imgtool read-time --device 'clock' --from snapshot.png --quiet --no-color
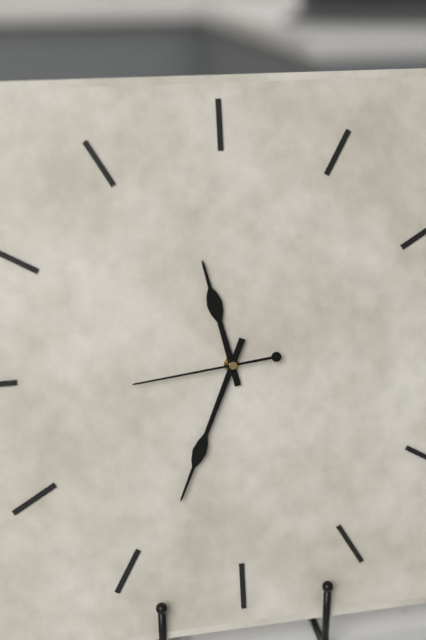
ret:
11:34:44
